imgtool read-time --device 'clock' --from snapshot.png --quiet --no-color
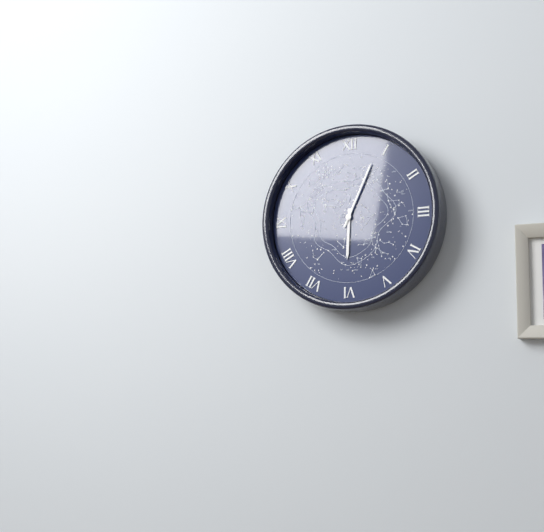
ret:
6:04
